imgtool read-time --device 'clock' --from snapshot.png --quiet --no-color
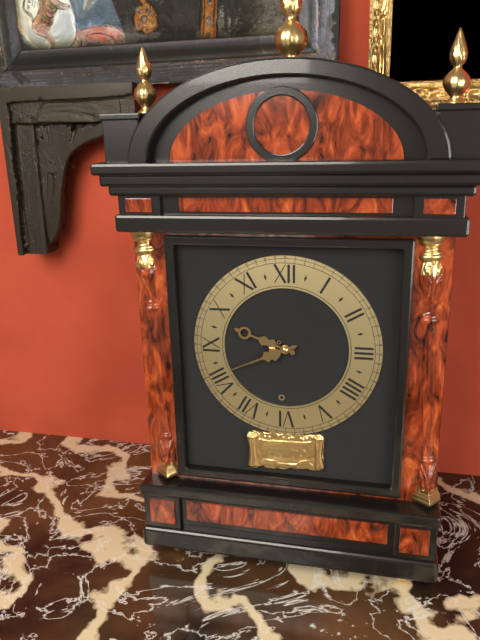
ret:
9:41
